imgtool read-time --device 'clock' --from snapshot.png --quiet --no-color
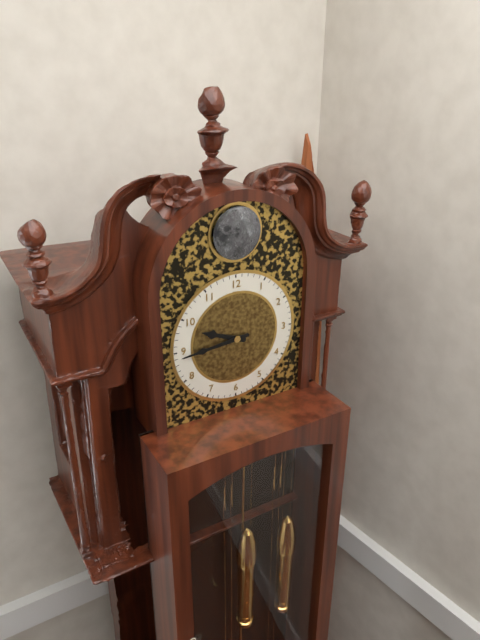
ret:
9:44
